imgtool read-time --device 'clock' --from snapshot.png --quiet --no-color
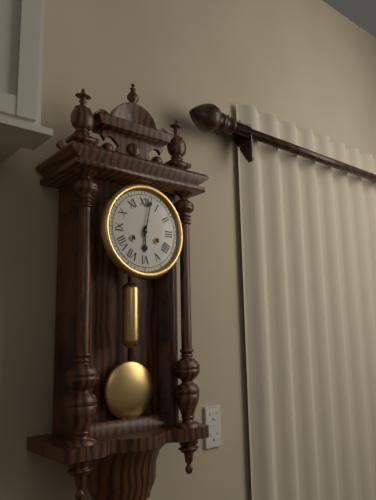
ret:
6:02
